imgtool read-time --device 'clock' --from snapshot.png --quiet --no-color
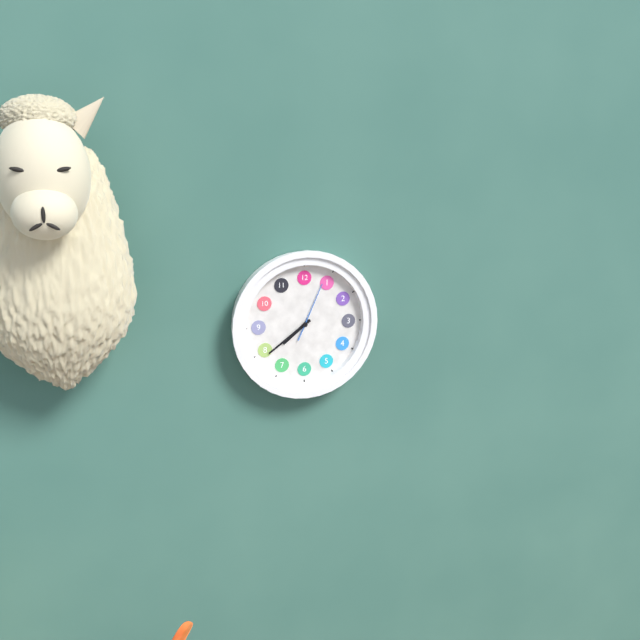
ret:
7:39:04
